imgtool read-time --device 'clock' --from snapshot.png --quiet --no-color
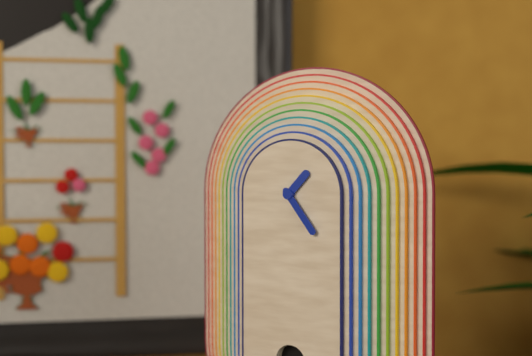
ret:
1:24
